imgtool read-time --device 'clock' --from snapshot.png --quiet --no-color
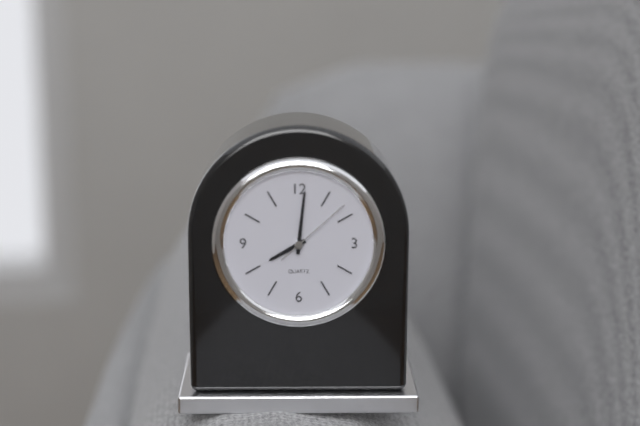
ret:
8:01:08
